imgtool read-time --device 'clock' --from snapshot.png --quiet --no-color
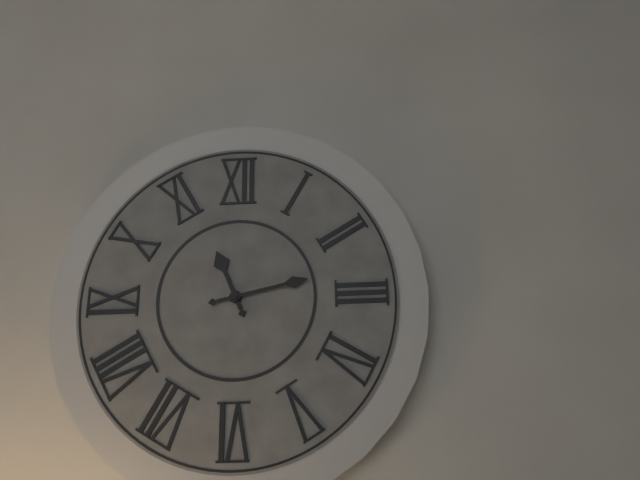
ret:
11:13
